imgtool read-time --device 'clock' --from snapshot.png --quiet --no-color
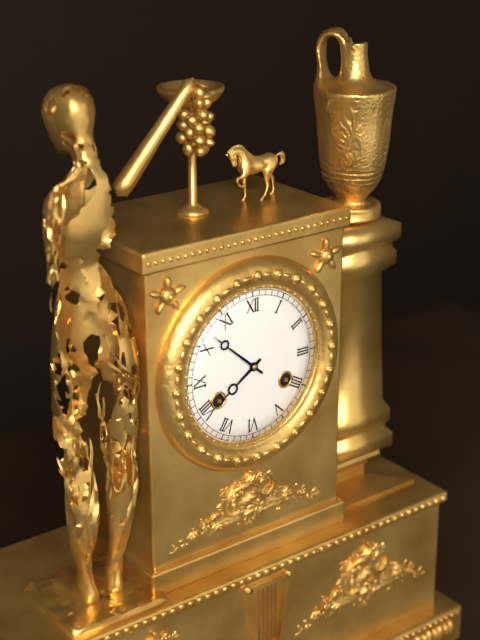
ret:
7:52
